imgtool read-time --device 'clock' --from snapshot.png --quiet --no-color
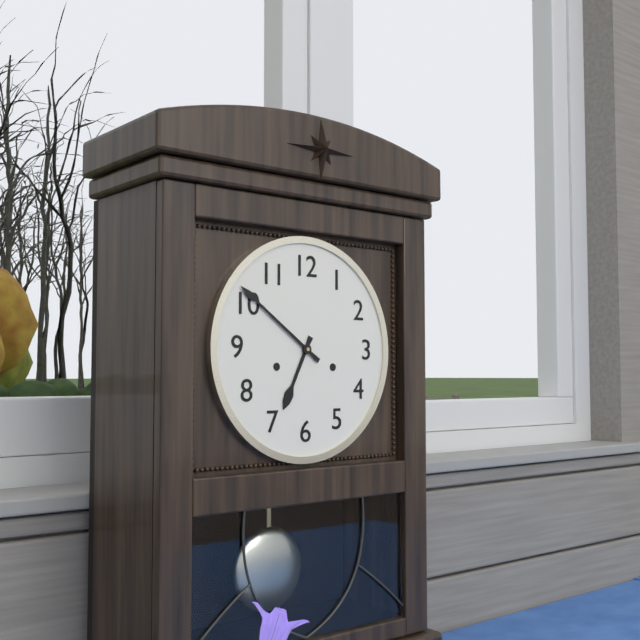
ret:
6:51
